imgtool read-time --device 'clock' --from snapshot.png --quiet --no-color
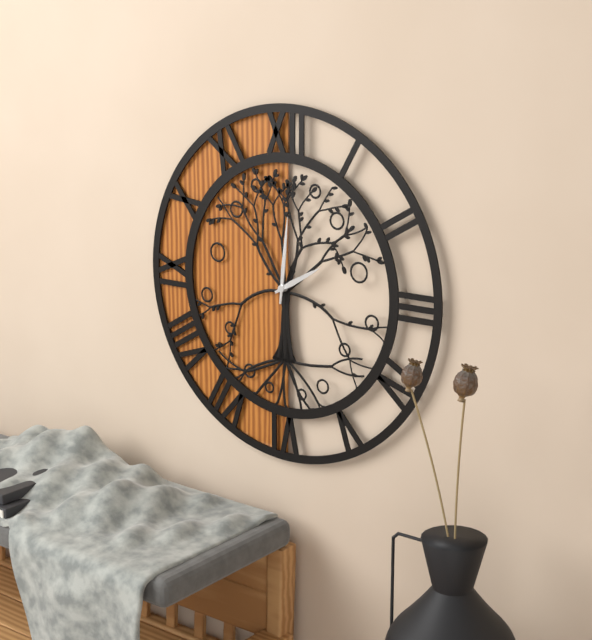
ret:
2:01
